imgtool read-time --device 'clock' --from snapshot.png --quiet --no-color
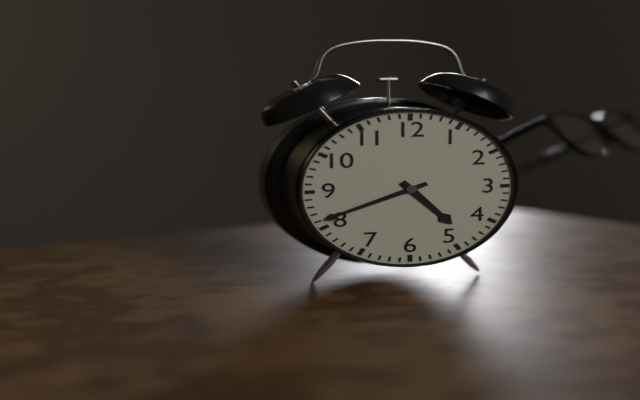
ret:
4:41
